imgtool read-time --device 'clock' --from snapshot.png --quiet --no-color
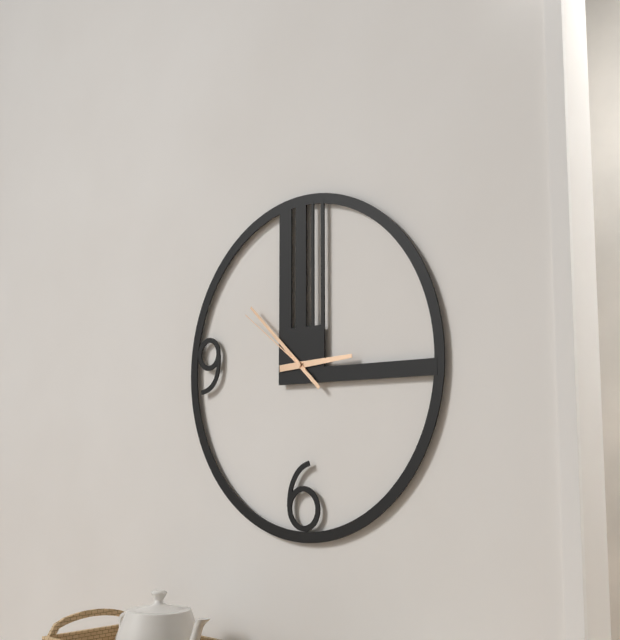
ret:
2:52:51
